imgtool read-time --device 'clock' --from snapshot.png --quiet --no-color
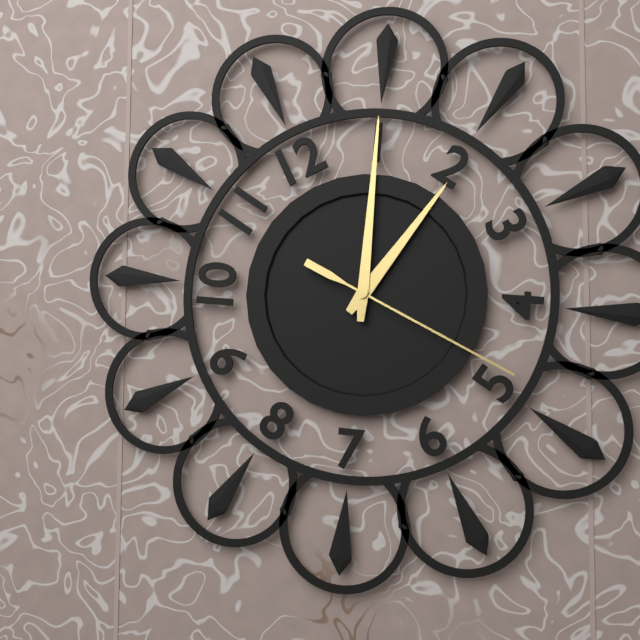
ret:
2:05:24
